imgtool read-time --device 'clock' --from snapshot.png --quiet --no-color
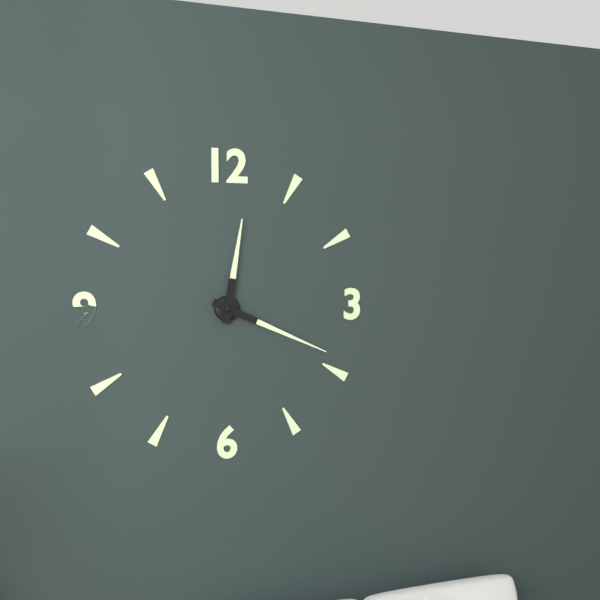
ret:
12:19
